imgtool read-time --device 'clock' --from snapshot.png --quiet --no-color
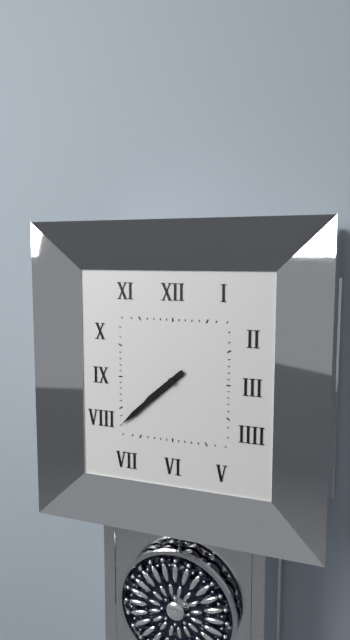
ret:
7:38
